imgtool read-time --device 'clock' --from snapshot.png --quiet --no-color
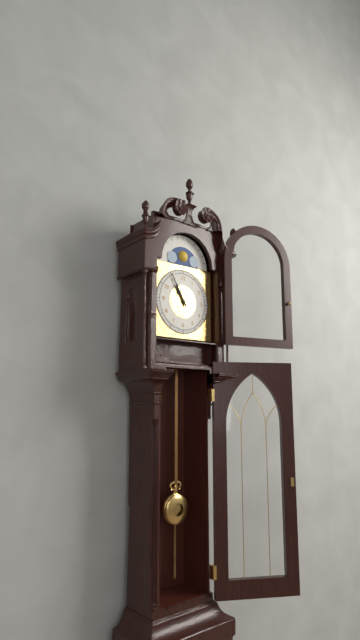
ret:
10:55
